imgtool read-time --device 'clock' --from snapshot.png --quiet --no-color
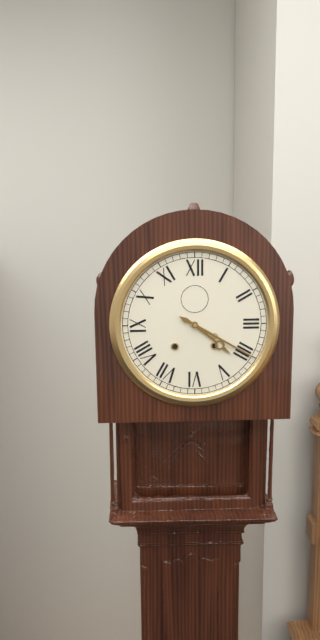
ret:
4:20
